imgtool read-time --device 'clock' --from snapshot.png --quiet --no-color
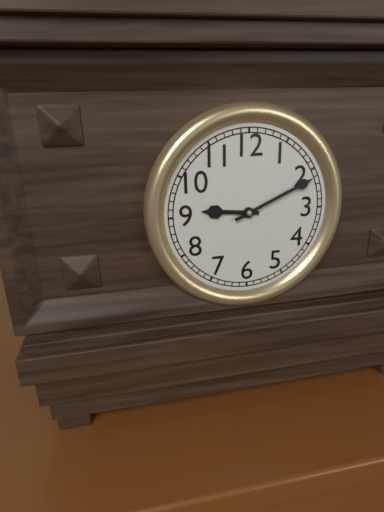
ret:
9:11
